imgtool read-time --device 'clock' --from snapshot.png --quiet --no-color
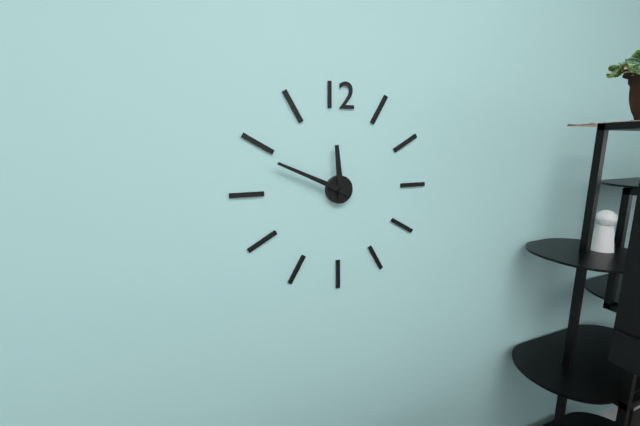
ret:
11:49
